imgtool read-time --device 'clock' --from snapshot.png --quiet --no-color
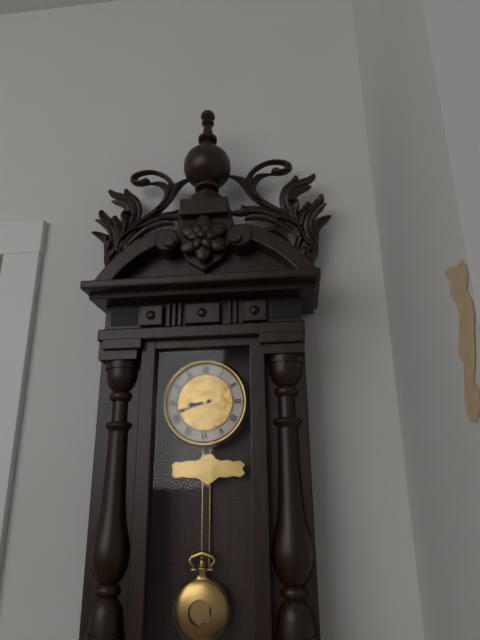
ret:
8:42
